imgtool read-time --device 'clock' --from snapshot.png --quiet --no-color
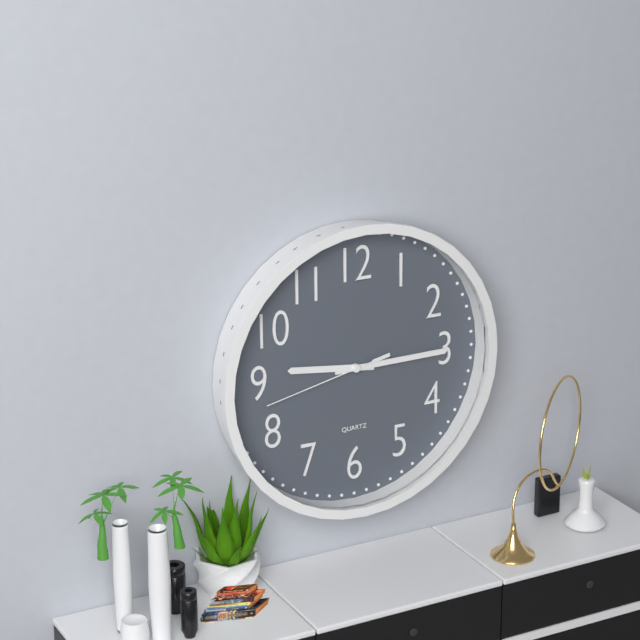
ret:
9:15:43
